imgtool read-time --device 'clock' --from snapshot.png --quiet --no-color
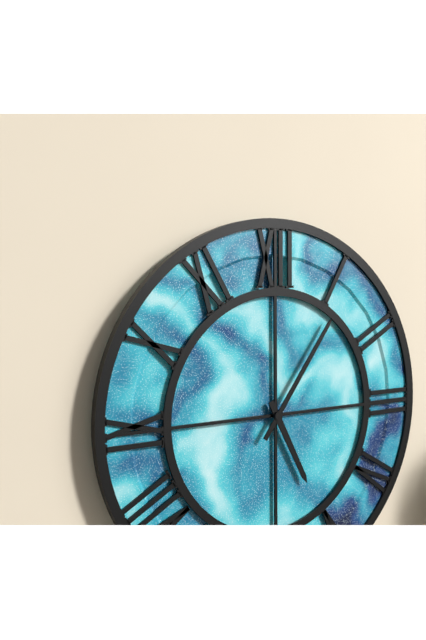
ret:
5:06
